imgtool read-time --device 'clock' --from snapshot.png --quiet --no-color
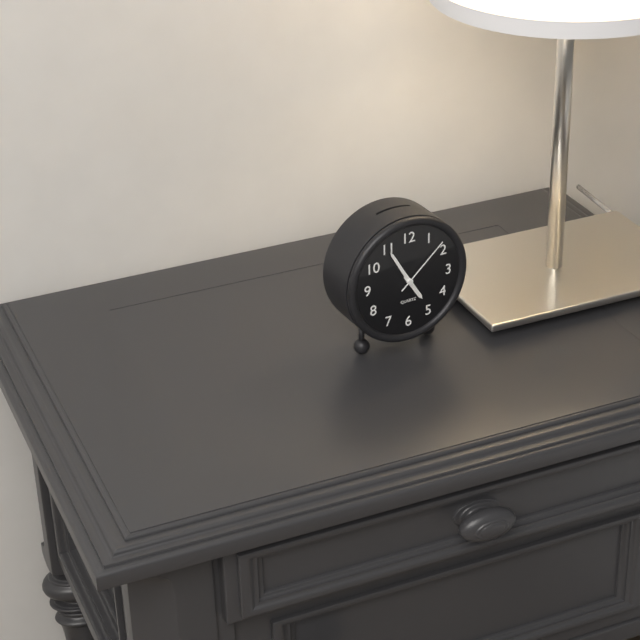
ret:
4:55:08
